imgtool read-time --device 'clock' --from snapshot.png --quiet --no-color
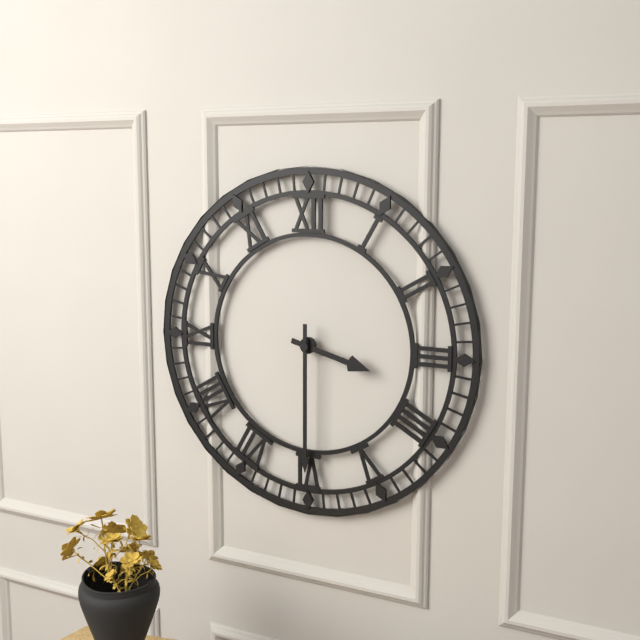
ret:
3:30
